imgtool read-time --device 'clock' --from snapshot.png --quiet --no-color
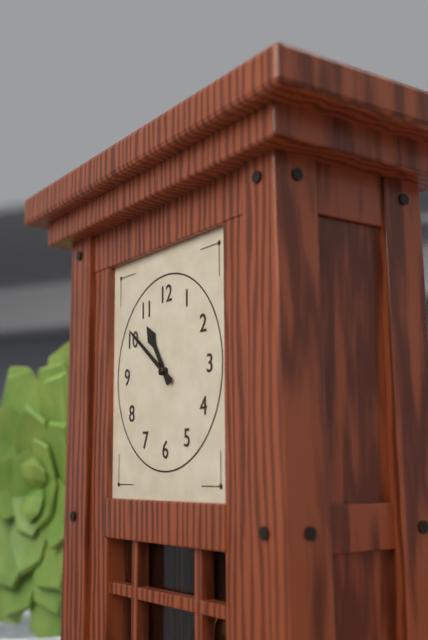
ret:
10:51
